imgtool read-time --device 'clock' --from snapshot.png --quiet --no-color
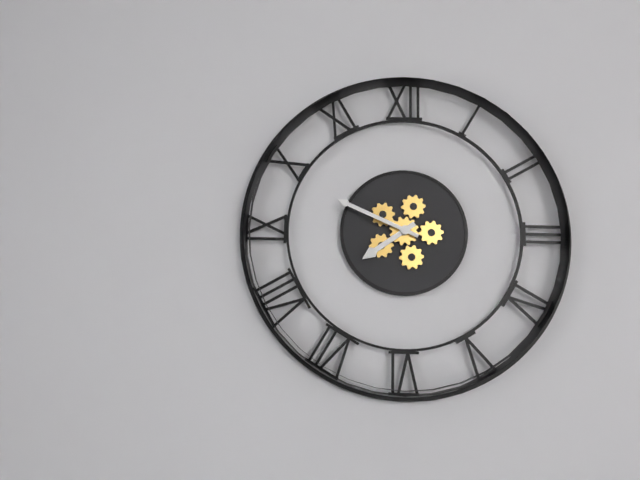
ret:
7:49
